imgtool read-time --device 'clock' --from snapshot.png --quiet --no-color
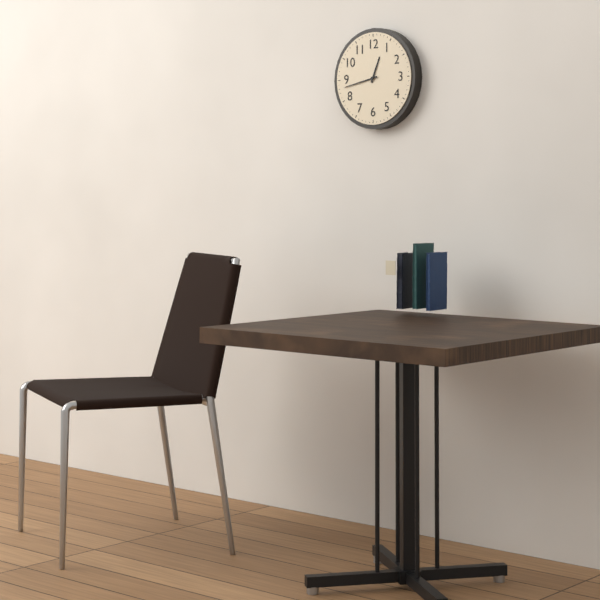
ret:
12:43
